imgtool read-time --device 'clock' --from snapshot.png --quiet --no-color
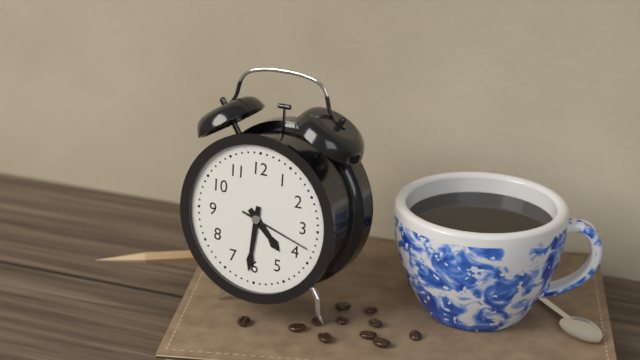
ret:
4:31:18
